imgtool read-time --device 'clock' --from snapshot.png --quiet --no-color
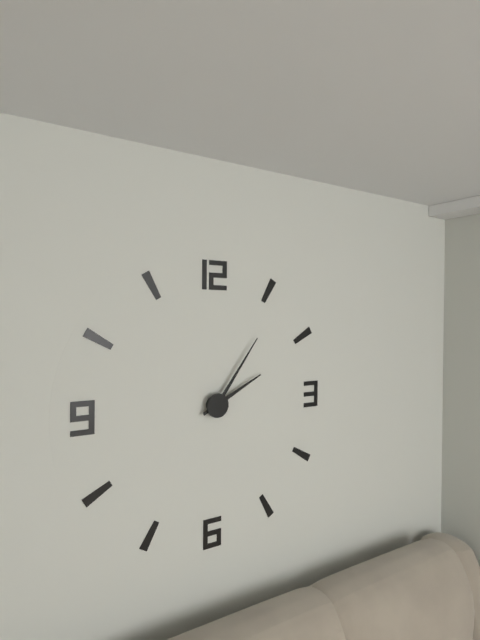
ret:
2:06
